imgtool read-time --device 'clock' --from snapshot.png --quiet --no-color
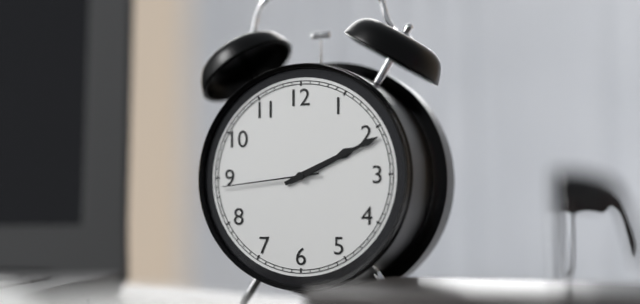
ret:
2:11:44
